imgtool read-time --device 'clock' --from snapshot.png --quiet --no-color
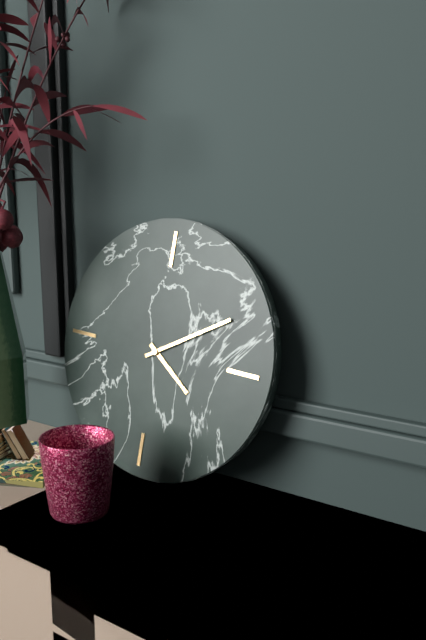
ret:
4:10
